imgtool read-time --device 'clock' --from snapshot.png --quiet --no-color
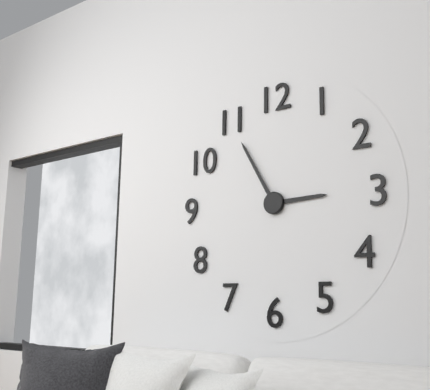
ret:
2:55
